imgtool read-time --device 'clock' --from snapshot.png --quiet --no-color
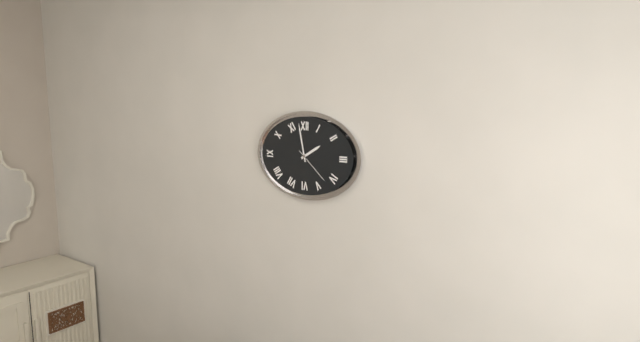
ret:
1:58
